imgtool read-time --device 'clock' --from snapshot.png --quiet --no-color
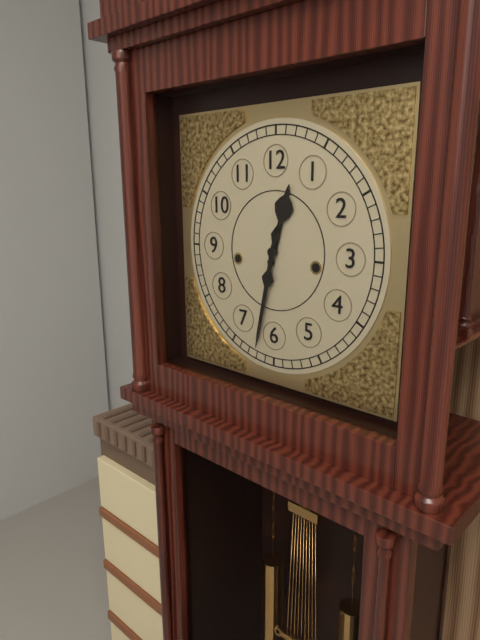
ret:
12:32
